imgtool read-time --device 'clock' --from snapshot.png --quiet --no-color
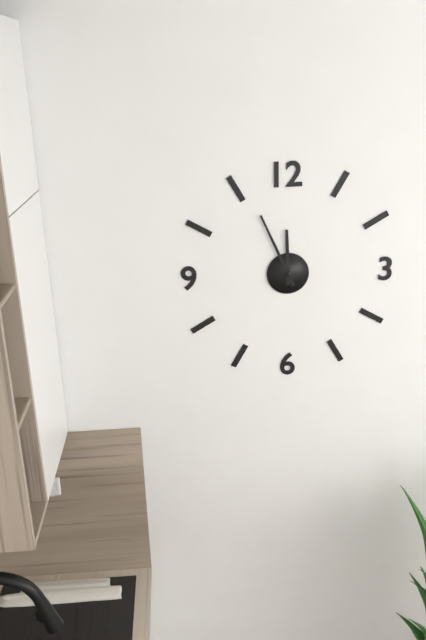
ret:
11:56
